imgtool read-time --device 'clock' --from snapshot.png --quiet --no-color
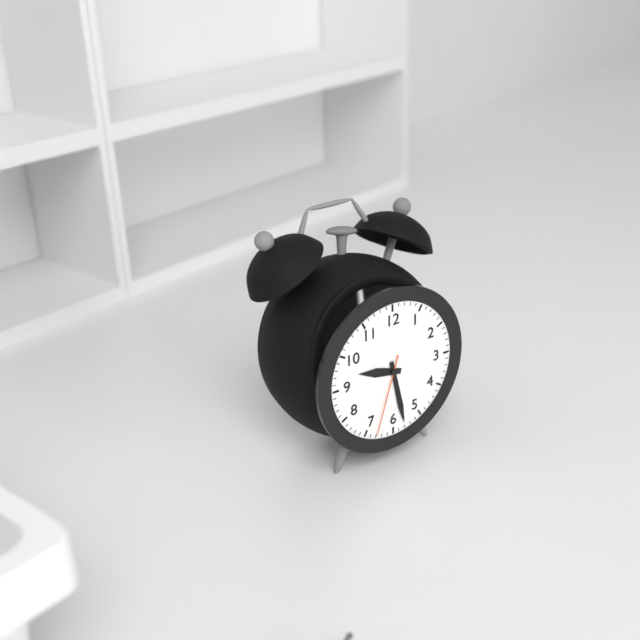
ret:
9:28:33
